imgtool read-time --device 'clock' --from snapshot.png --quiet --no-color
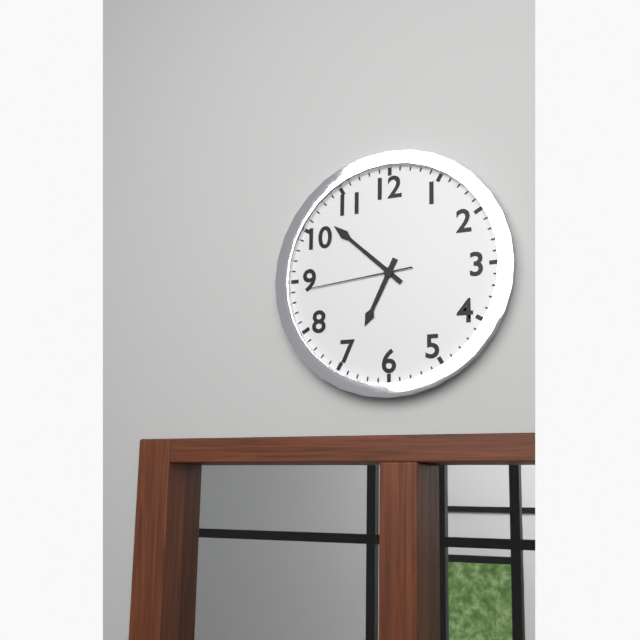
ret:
6:52:44
